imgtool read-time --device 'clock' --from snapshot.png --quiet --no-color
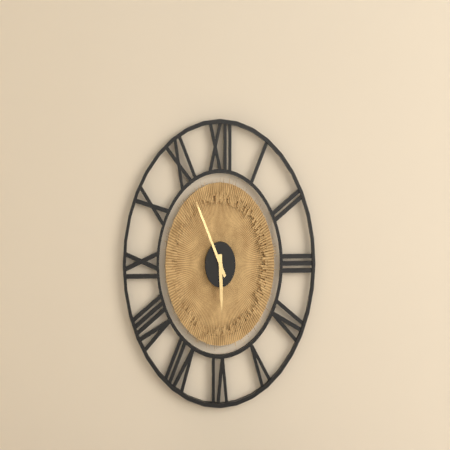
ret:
5:55
